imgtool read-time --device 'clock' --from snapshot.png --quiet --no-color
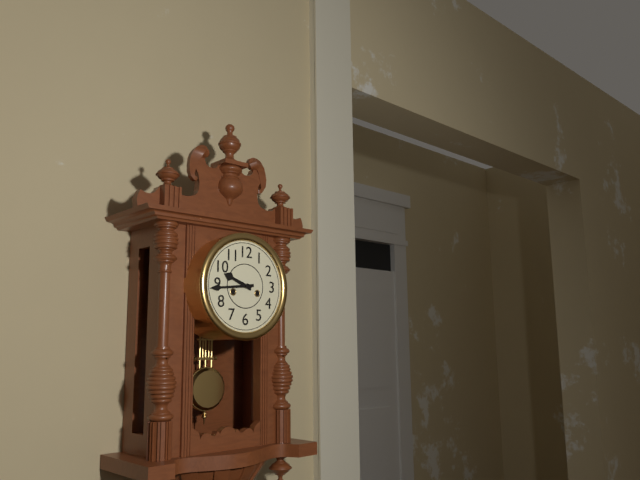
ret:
9:44
